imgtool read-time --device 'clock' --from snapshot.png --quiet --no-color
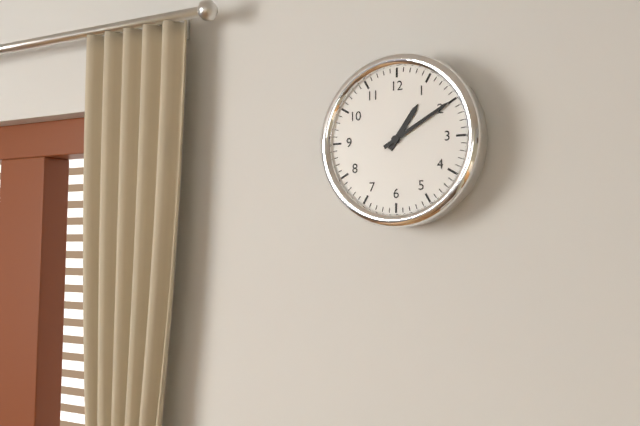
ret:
1:10
